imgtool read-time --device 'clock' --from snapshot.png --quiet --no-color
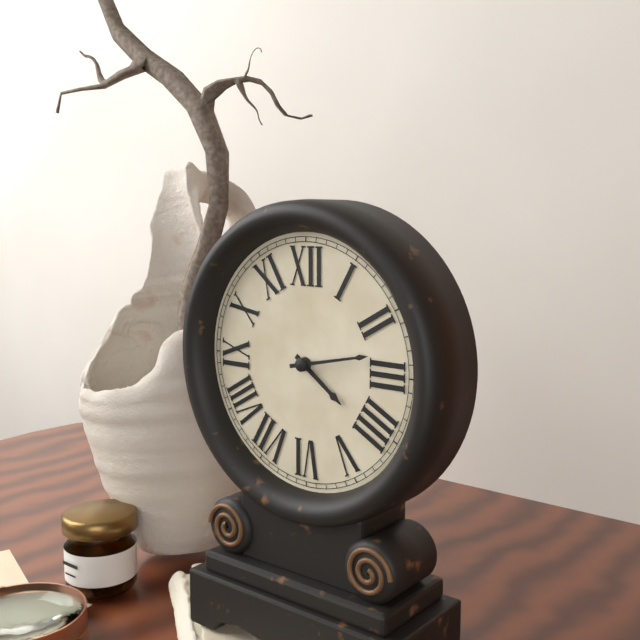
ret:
4:13
